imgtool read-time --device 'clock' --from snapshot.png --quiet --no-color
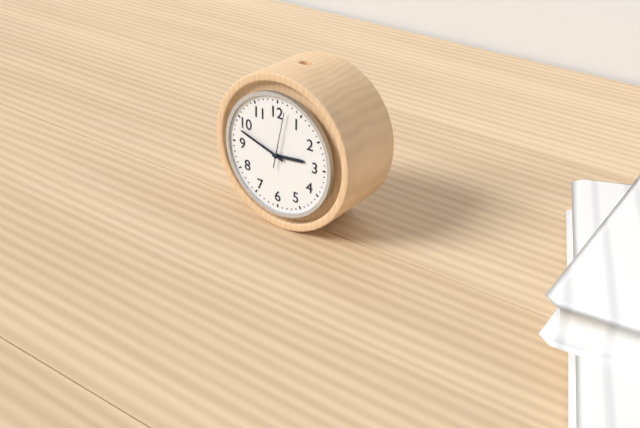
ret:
2:48:02
